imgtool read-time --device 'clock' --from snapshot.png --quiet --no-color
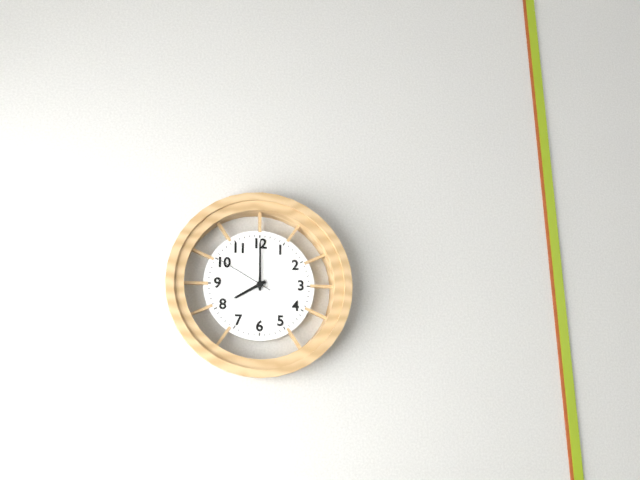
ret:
8:00:50
